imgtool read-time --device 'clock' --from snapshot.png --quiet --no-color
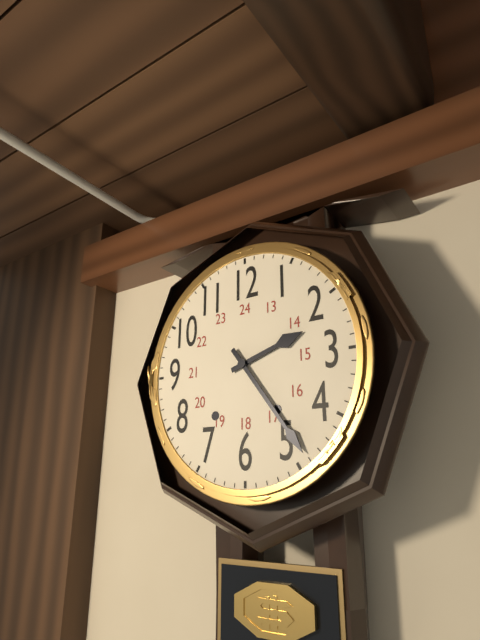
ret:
2:24
